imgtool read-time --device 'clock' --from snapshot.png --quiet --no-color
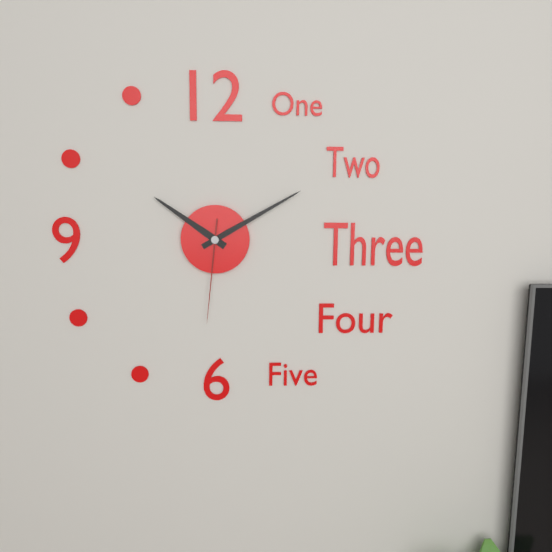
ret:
10:10:31
